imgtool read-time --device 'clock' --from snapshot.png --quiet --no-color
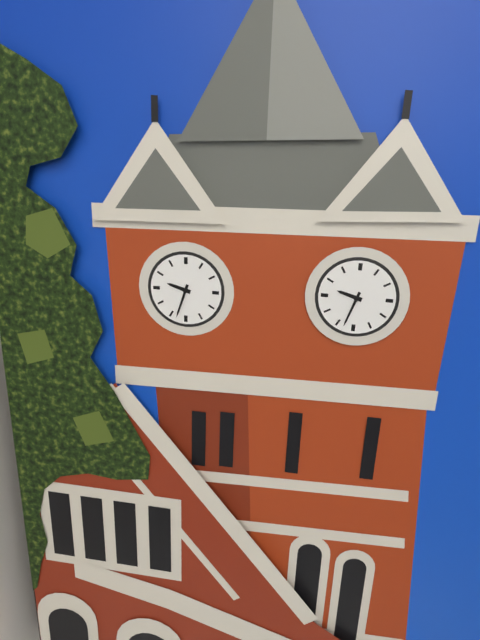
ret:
9:33
